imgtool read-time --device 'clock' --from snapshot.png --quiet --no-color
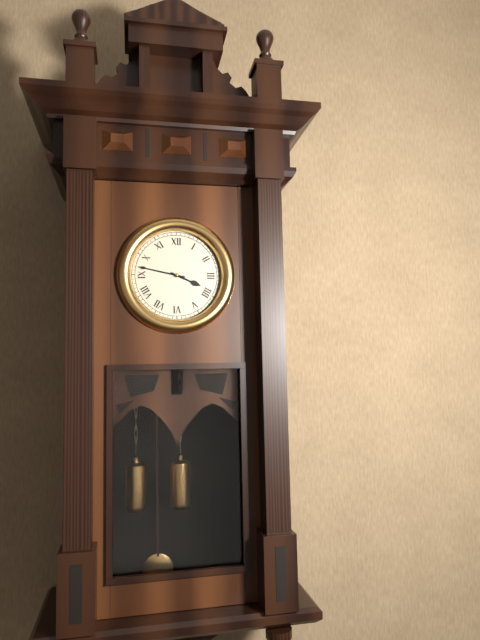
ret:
3:47
